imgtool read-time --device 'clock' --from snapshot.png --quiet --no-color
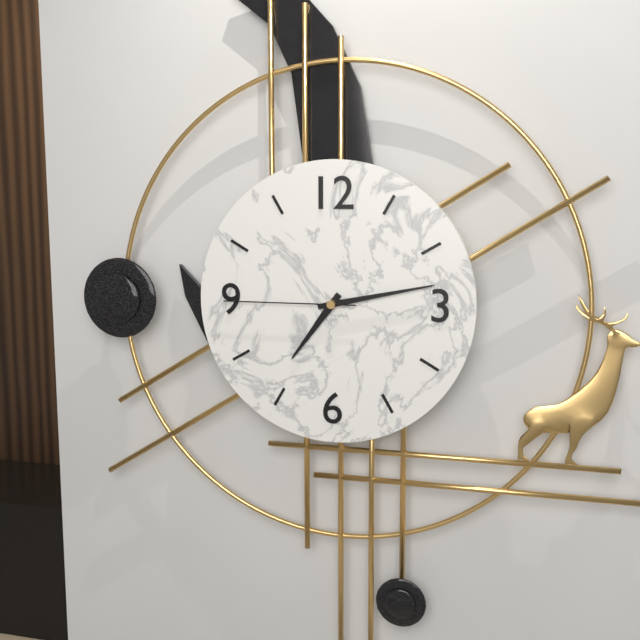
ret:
7:13:45
